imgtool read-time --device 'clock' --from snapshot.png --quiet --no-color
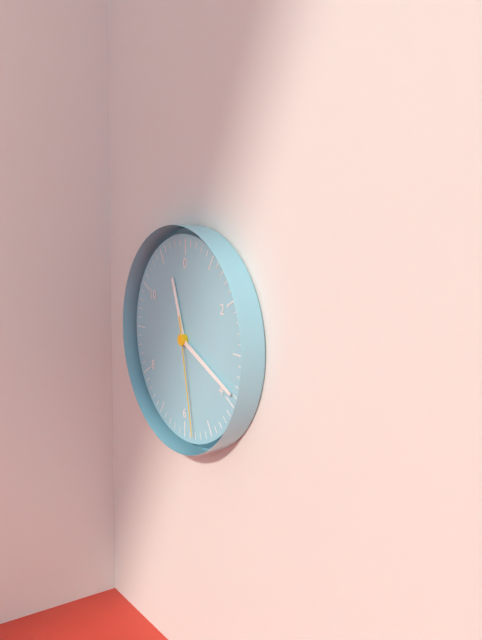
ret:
11:19:28
